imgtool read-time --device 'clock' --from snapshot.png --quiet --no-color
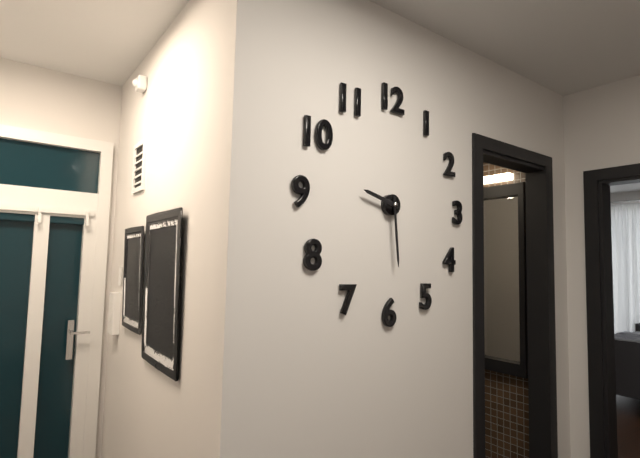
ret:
9:29
